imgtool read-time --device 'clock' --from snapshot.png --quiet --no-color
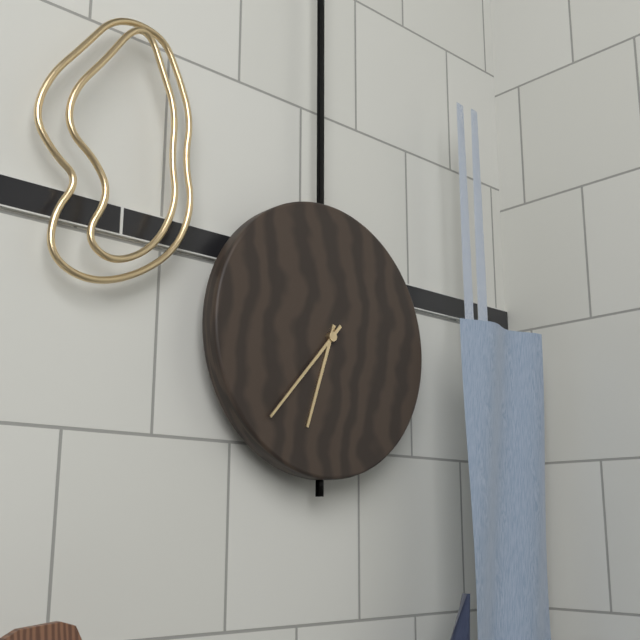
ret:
6:37
